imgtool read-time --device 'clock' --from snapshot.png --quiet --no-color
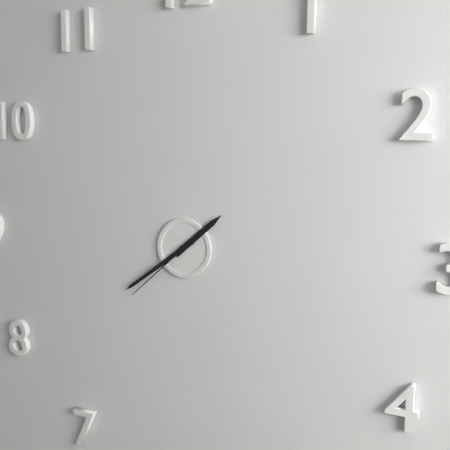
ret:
1:39:38
